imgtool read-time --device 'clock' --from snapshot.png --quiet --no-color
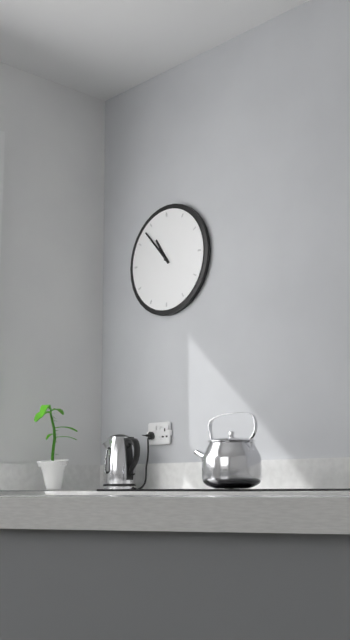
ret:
10:53
